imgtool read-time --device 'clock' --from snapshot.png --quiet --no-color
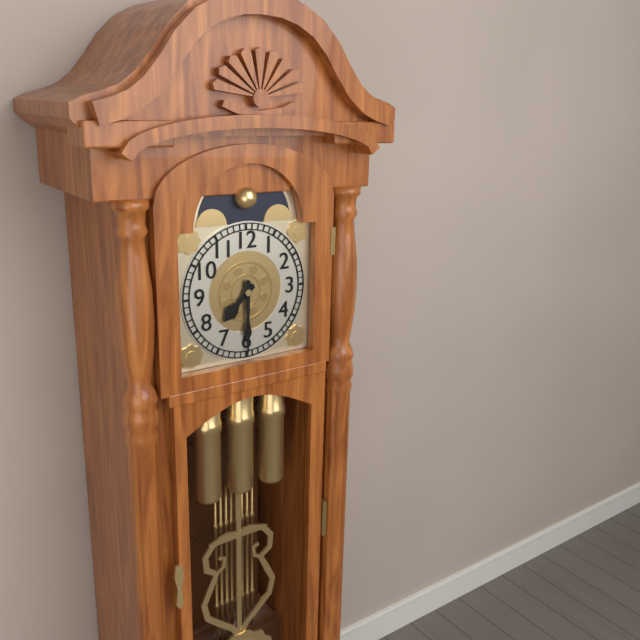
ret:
7:30
